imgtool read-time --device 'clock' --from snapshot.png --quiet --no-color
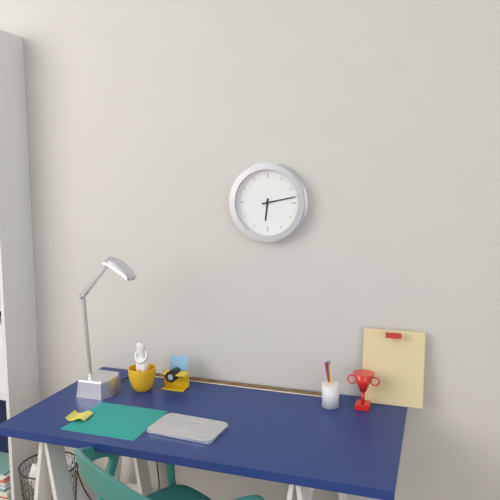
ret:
6:13
